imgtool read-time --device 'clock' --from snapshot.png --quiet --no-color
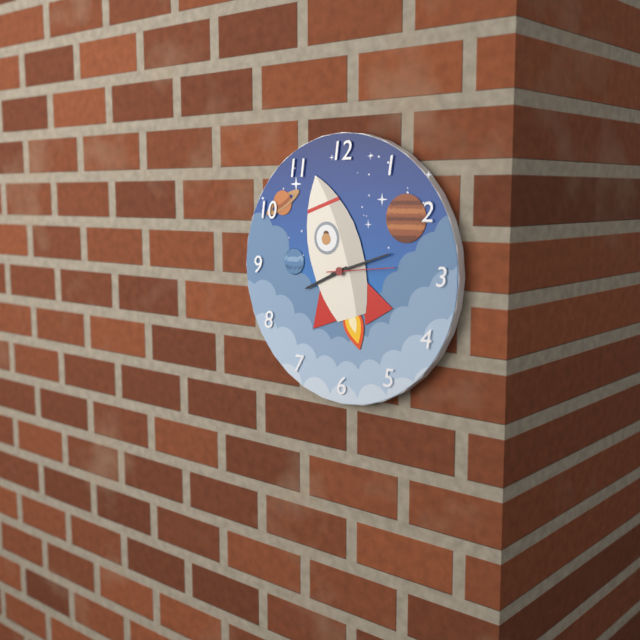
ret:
8:12:14
